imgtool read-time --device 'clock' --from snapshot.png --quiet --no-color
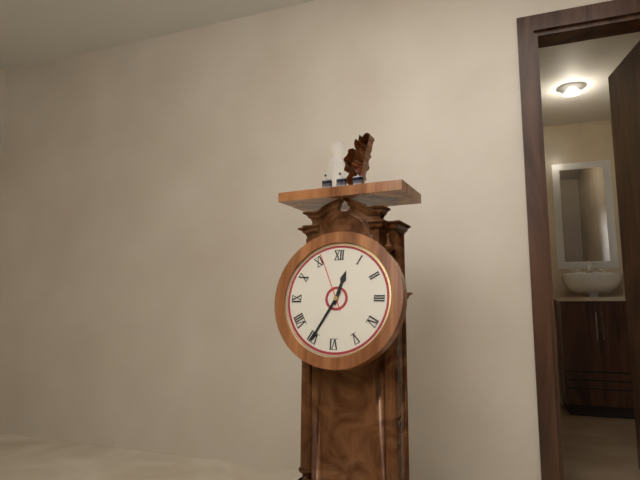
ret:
12:35:56
